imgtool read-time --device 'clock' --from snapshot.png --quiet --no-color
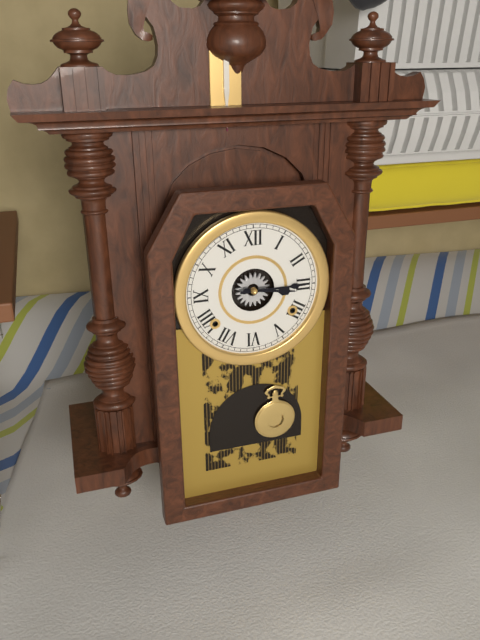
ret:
3:15
